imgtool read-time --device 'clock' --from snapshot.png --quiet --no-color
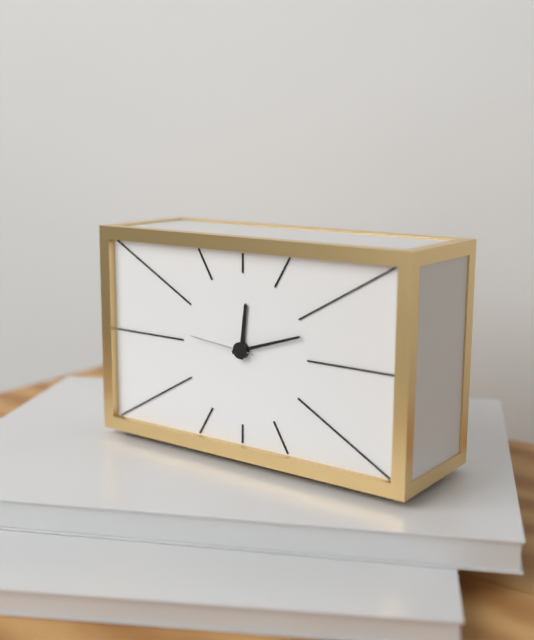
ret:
12:12:46
